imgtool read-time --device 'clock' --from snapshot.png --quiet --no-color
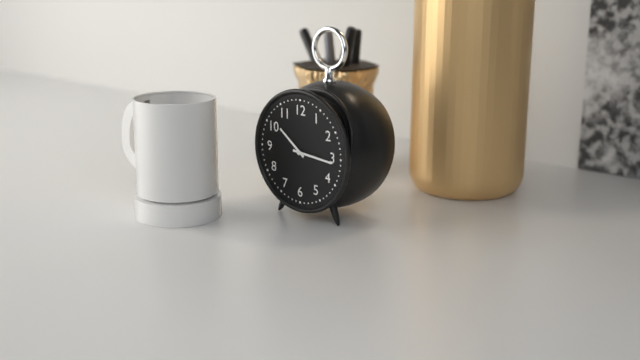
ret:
10:16
